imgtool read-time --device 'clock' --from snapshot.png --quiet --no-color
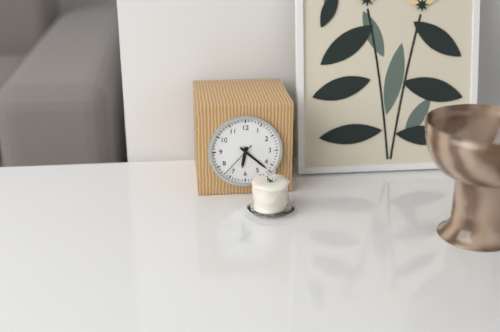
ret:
6:22
